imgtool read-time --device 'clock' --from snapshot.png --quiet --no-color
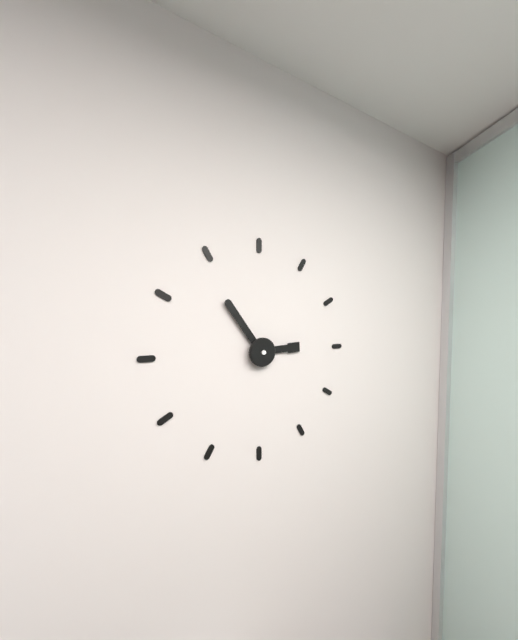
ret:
2:54
